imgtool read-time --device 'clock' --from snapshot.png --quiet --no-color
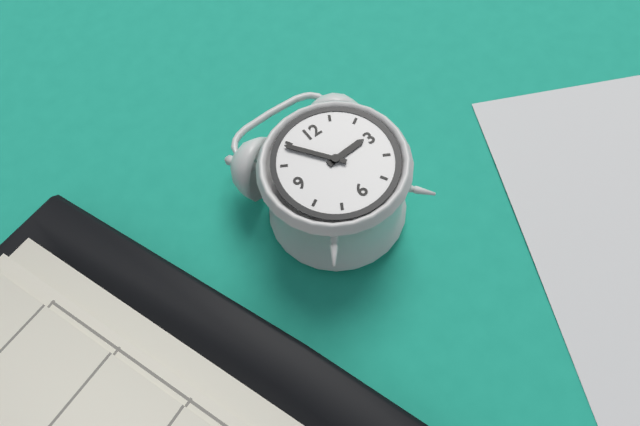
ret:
2:54
